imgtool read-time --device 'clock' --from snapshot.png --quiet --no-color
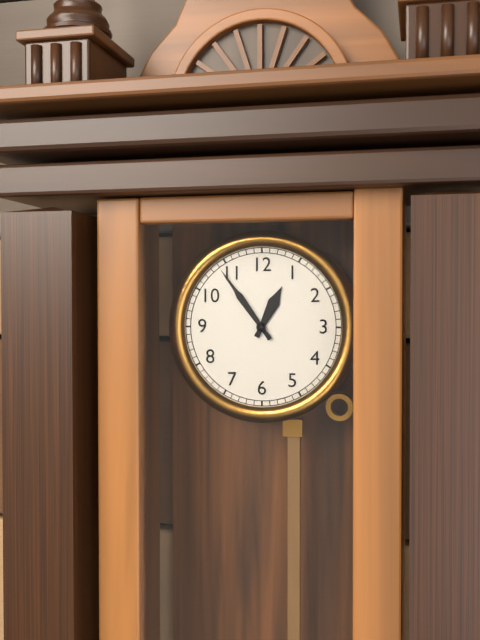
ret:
12:54
